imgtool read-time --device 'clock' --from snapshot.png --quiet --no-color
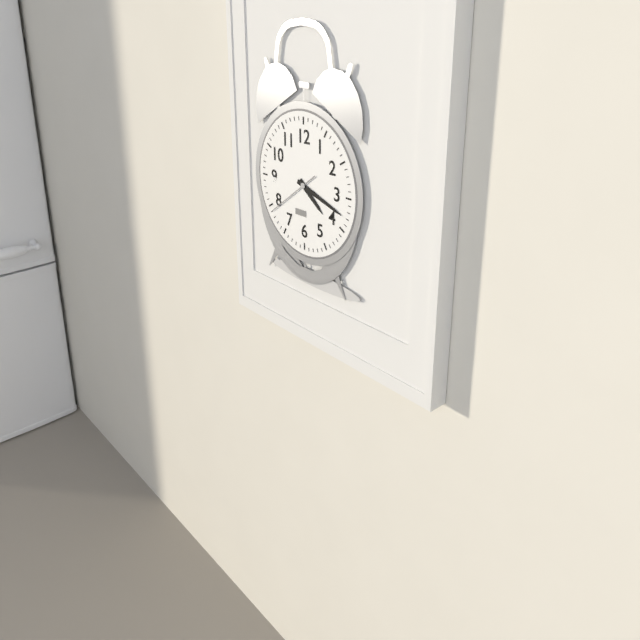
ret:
4:18:39
